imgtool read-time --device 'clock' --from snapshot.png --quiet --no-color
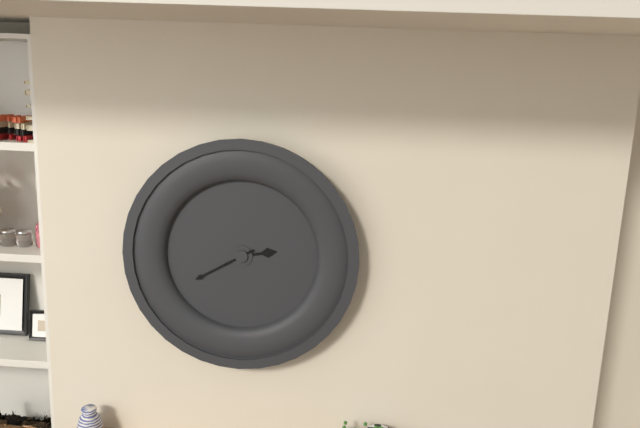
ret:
2:40
